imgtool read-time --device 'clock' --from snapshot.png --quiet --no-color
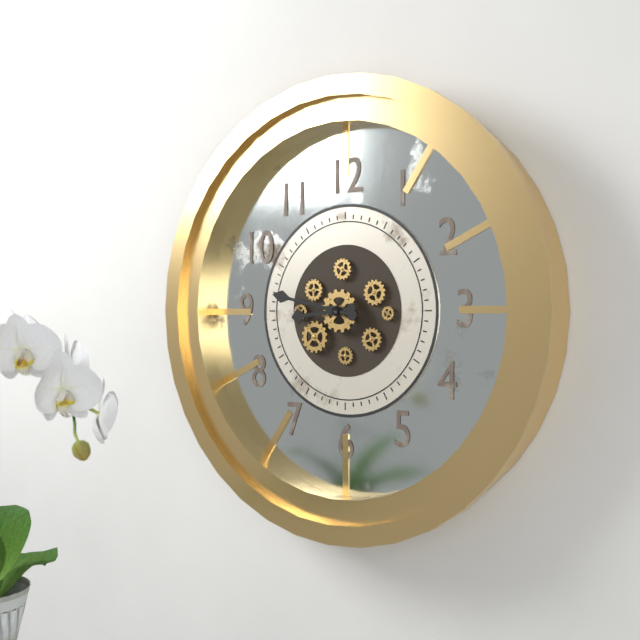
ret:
8:47
